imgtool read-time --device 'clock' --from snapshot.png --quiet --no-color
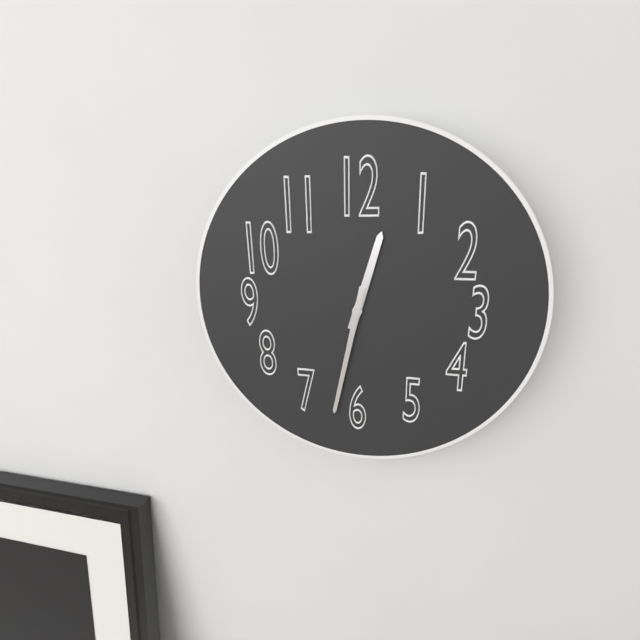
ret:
12:32
